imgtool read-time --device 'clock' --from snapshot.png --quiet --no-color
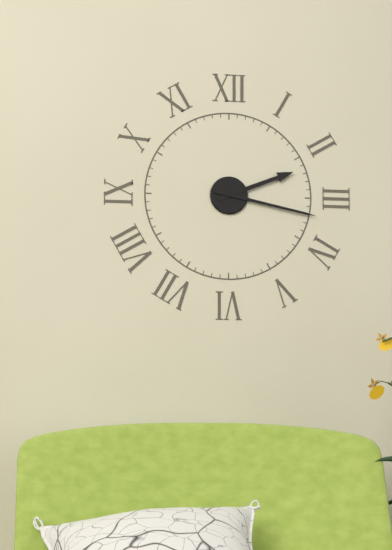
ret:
2:17
